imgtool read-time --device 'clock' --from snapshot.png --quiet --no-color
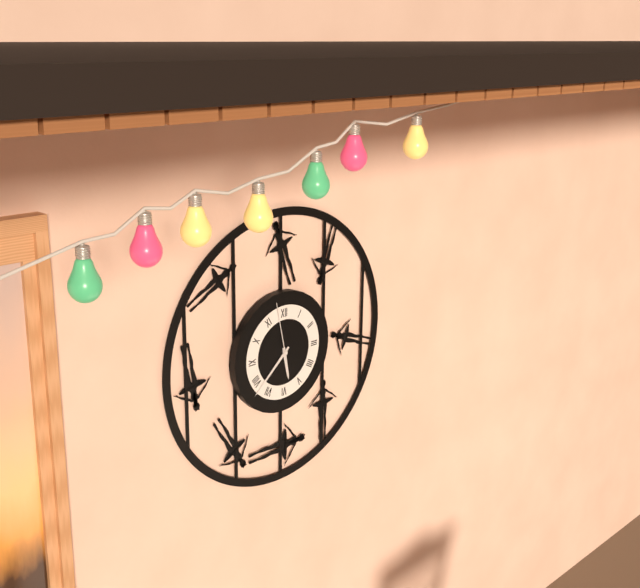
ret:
5:38:58
